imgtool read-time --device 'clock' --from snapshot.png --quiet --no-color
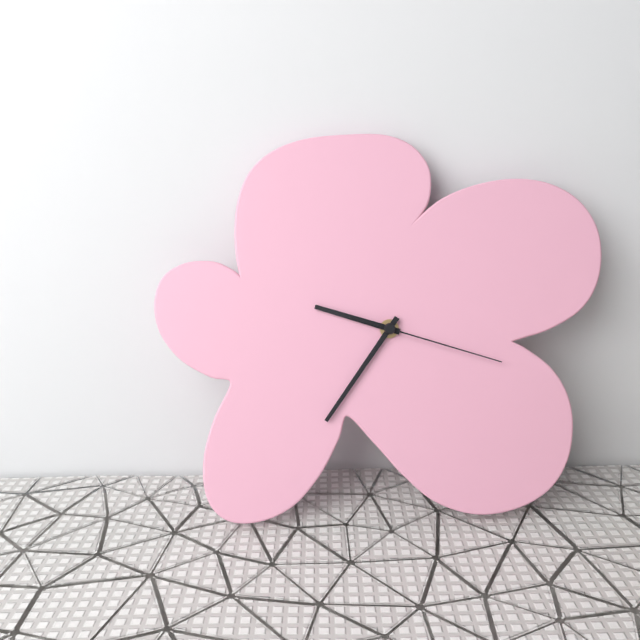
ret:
9:36:18
